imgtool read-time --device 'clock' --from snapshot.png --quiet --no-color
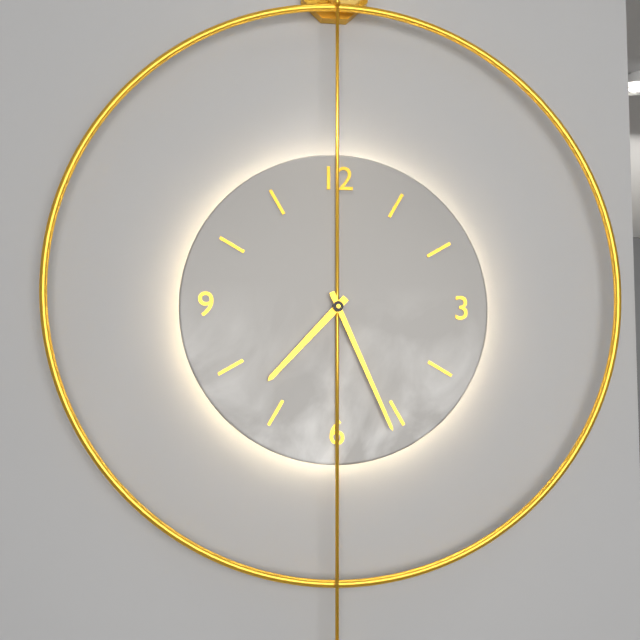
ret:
7:26
